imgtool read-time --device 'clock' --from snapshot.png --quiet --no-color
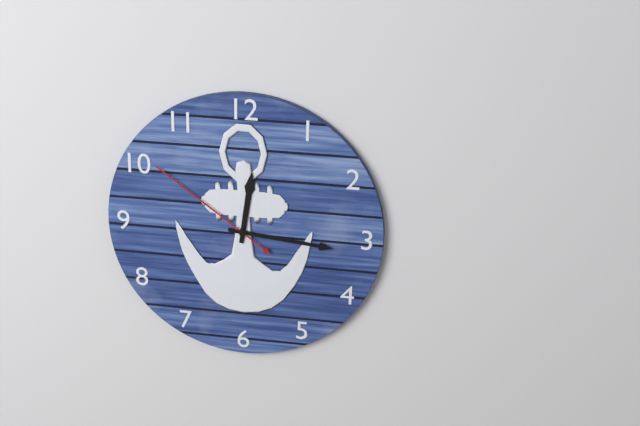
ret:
12:16:51
